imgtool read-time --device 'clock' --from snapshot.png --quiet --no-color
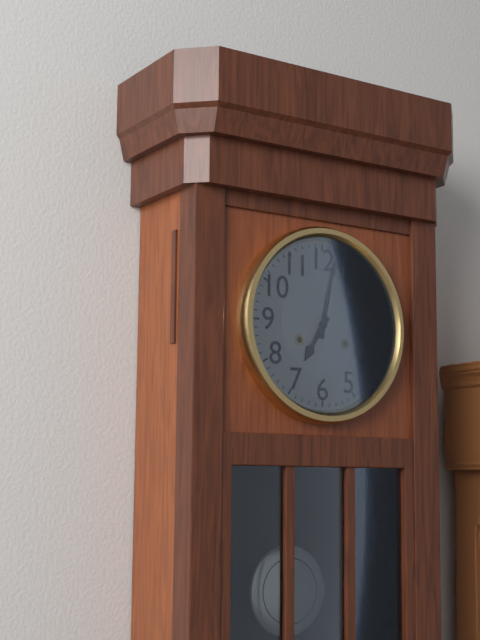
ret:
7:02
